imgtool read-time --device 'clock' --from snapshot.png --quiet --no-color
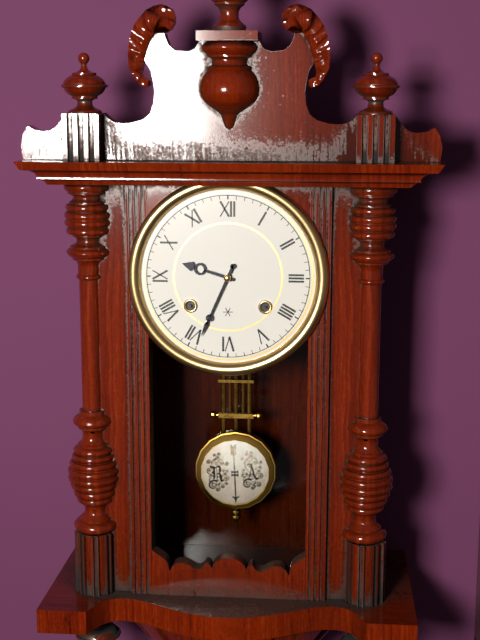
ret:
9:34
